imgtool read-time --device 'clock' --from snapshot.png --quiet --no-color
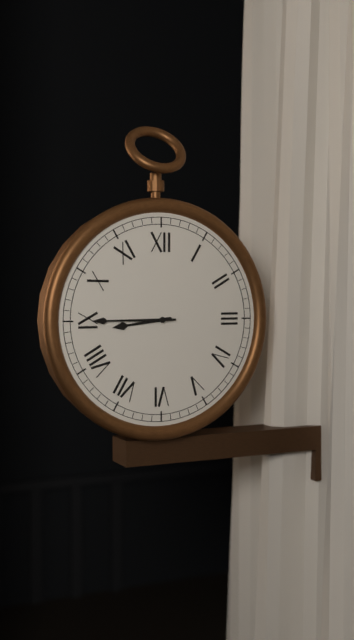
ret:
8:45
